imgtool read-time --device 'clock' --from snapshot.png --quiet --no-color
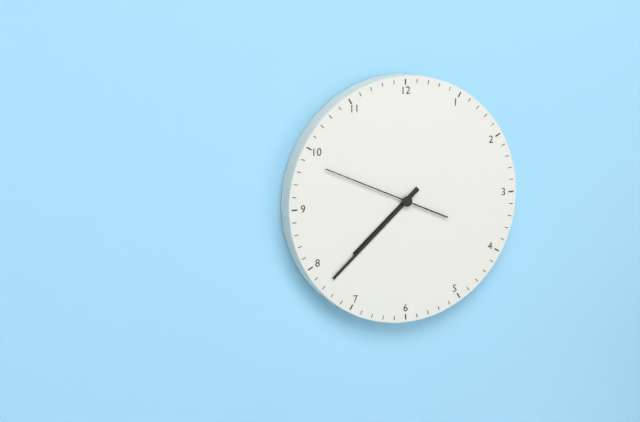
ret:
7:38:49
